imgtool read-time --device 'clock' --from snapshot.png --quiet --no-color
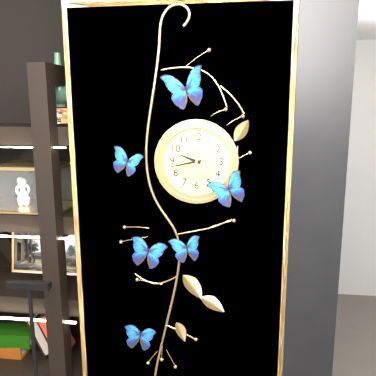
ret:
9:43
